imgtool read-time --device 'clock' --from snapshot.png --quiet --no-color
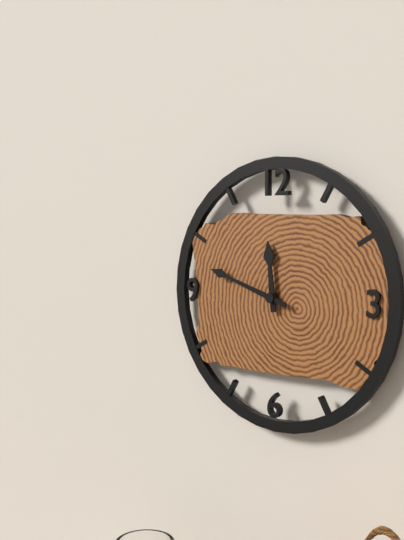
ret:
11:48
